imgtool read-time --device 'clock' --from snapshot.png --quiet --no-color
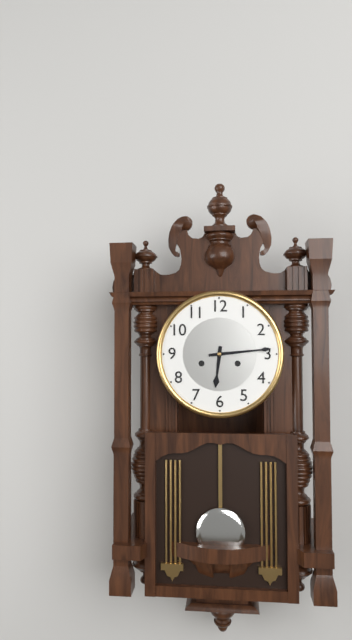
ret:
6:14
